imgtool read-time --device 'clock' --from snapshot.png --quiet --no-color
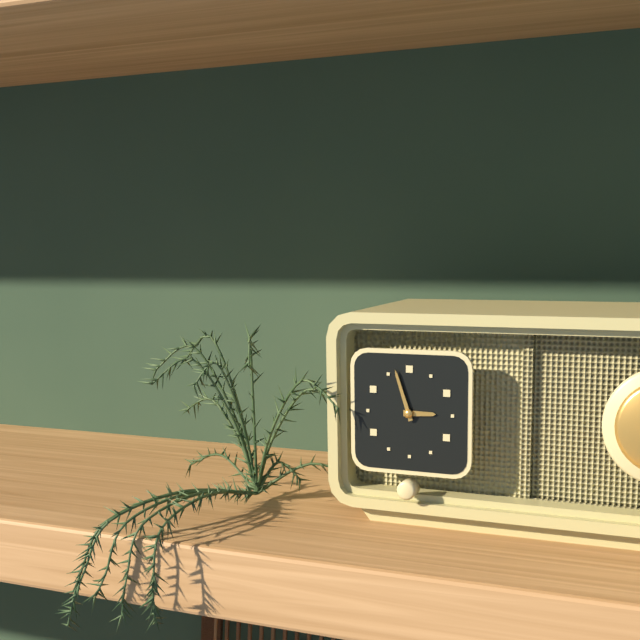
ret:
2:57
